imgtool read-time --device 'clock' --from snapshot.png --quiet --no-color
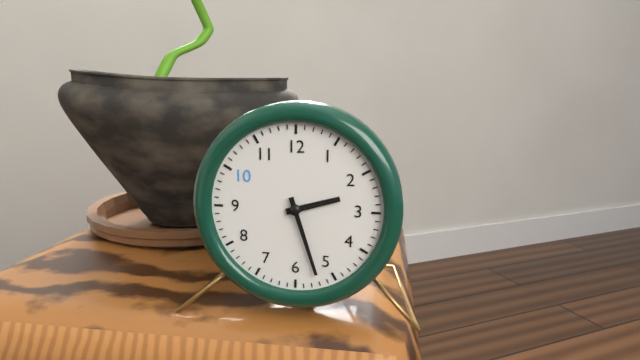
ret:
2:27
